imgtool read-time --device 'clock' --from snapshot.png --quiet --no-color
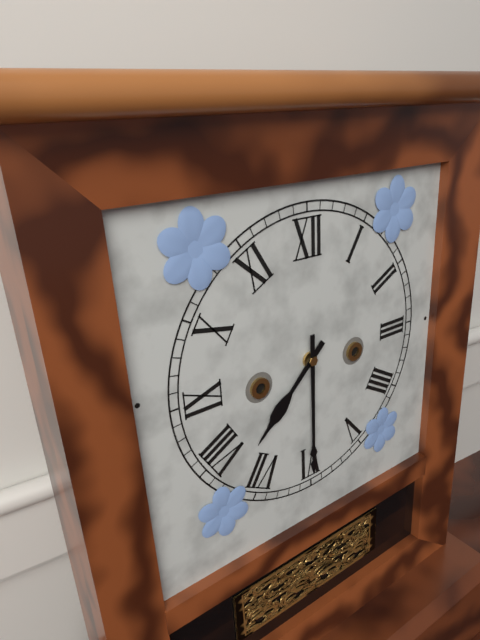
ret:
7:30
